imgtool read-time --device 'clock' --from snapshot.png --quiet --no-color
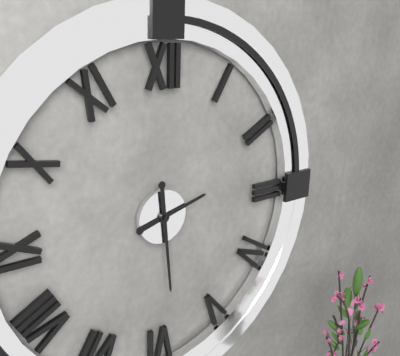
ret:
2:29
